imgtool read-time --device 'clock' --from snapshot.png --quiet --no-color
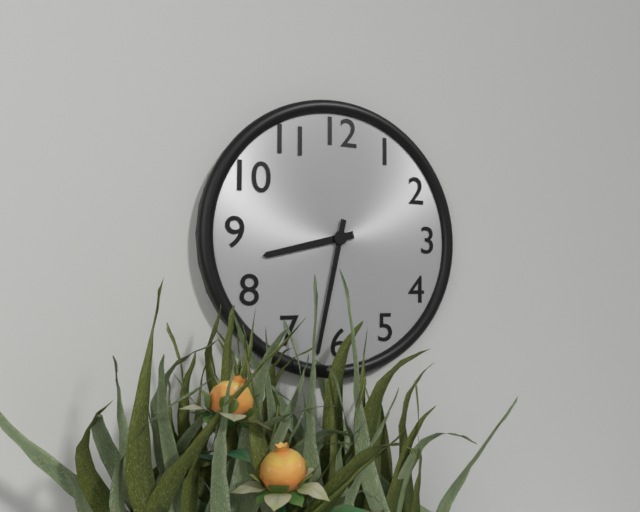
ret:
8:32
